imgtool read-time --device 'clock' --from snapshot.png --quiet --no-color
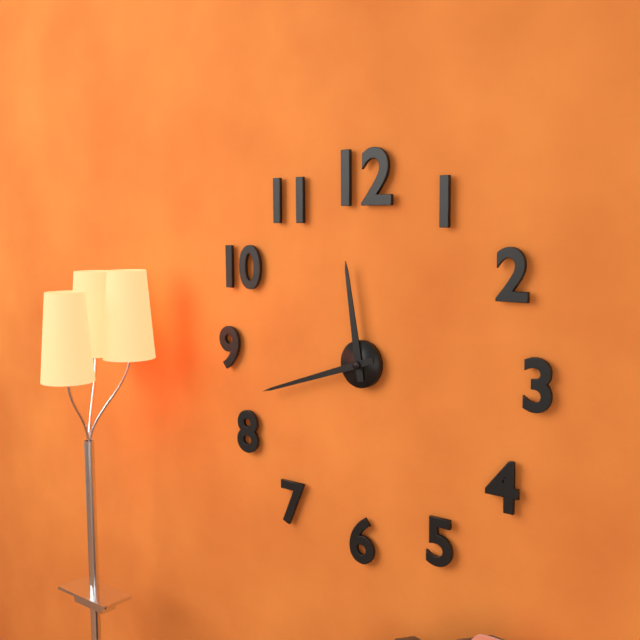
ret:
11:42
